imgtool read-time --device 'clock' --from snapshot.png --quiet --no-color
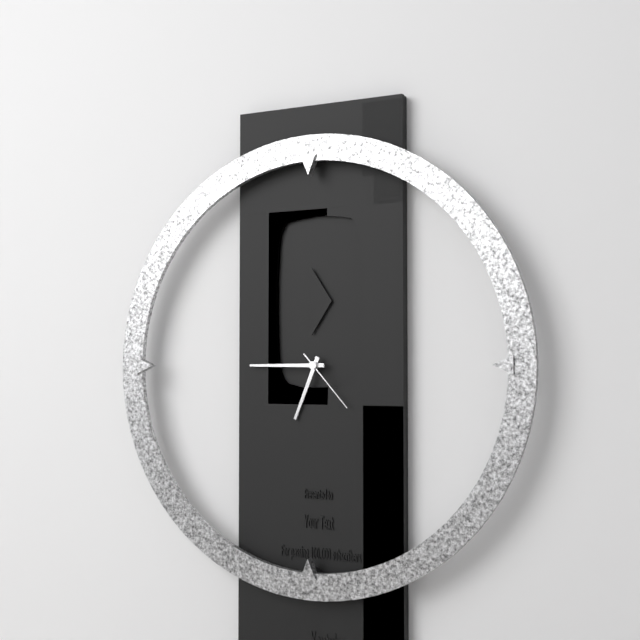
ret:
6:45:23
